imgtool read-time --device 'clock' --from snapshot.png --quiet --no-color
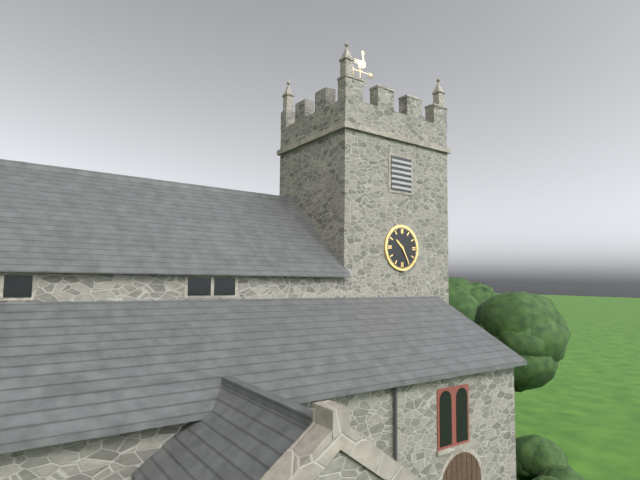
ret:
10:25
